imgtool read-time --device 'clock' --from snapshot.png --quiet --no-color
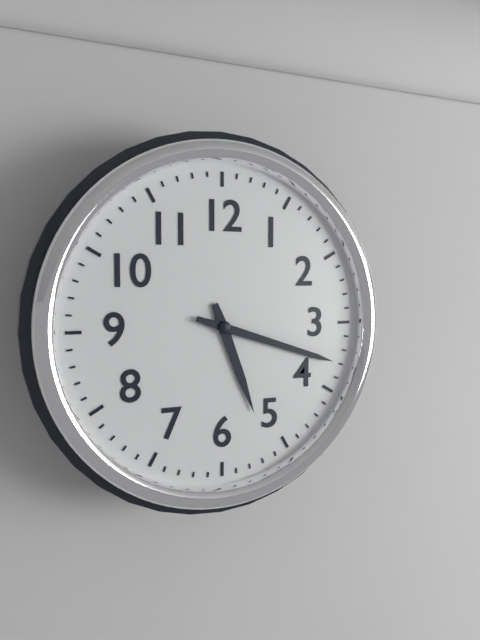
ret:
5:18
